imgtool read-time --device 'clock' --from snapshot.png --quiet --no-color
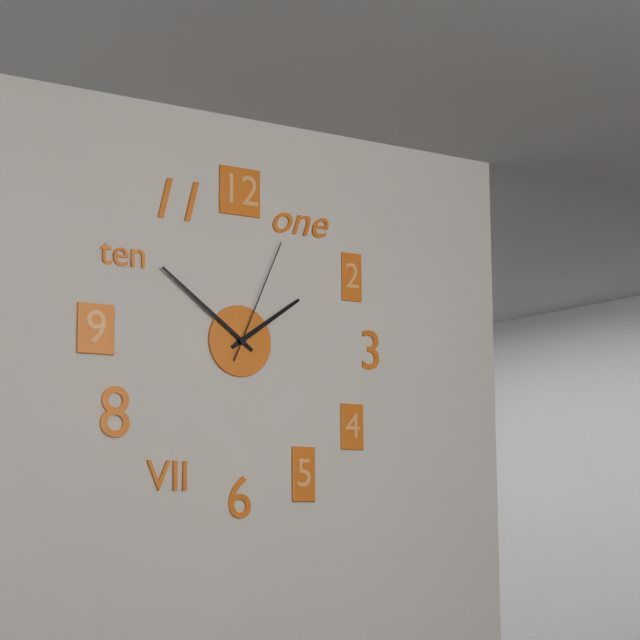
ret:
1:51:04
